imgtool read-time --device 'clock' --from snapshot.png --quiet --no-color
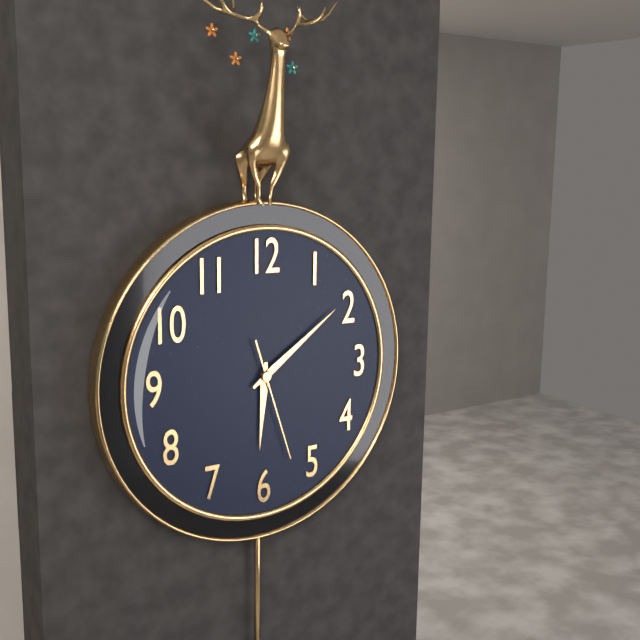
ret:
6:09:27
